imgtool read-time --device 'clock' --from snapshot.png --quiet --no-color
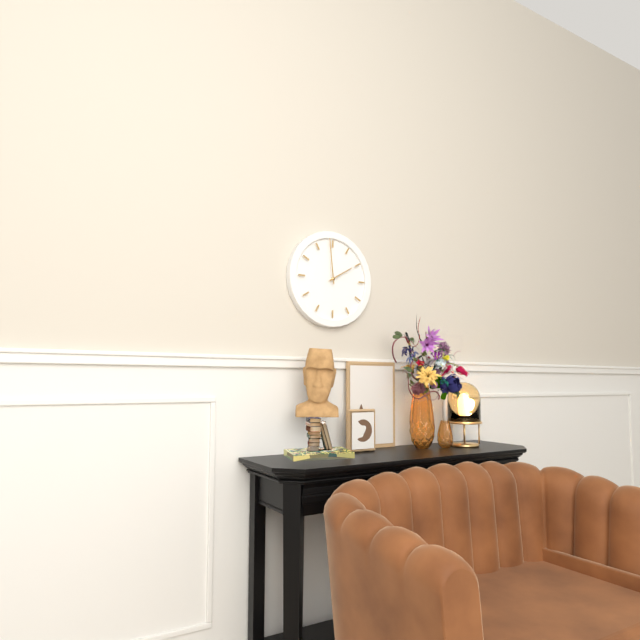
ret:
1:59
